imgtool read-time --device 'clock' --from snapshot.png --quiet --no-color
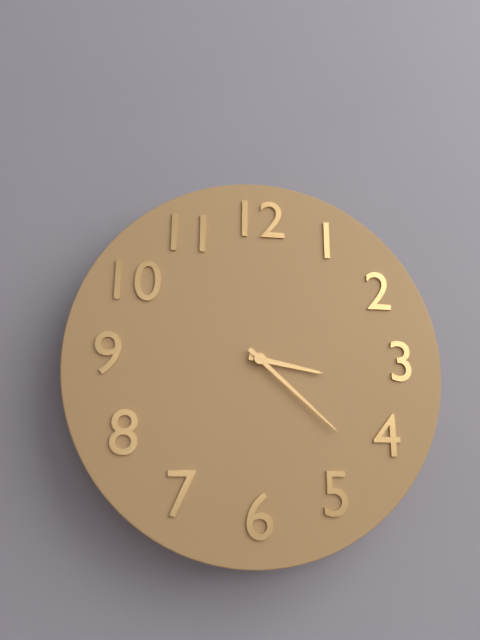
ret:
3:22
